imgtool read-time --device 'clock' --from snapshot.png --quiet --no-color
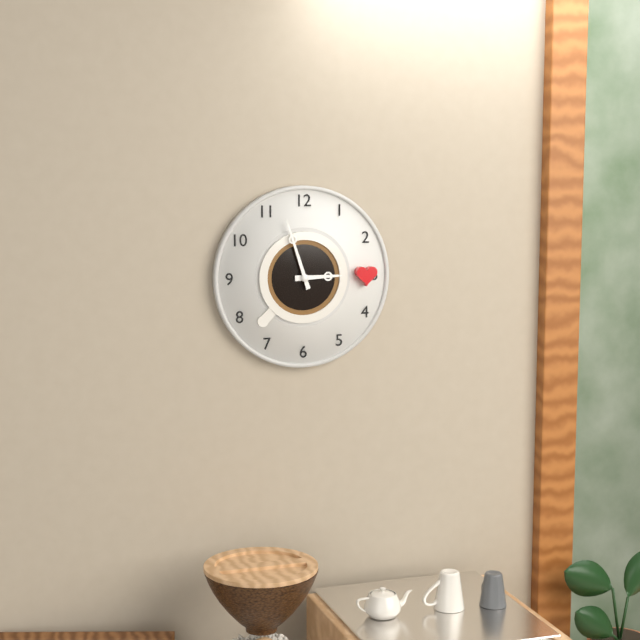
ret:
2:57
